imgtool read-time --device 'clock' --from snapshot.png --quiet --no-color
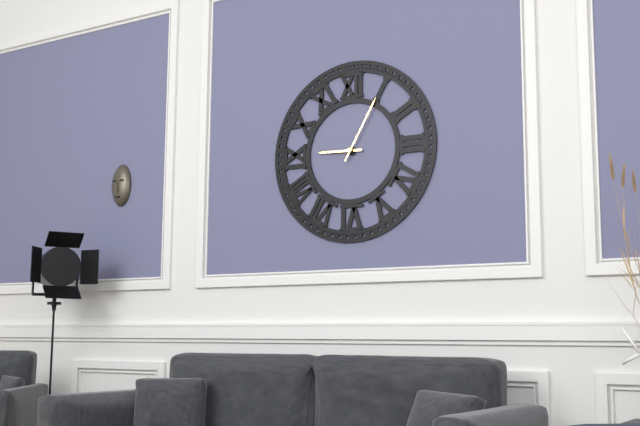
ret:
9:05
